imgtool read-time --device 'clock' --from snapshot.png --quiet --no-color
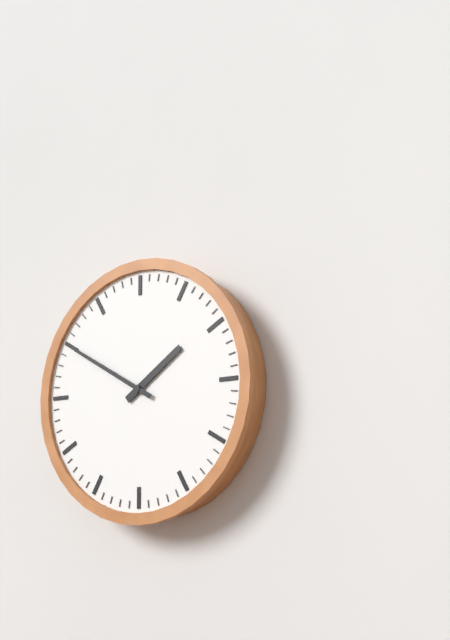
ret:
1:50
